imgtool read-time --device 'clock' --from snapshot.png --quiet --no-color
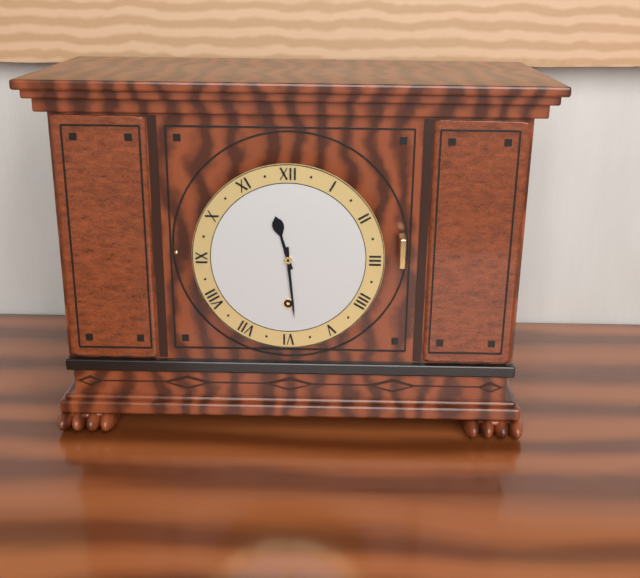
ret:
11:29
